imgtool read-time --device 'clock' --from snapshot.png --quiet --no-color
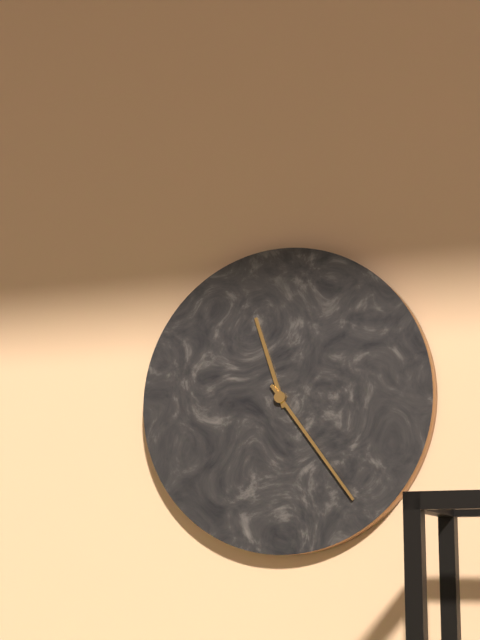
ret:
11:24
